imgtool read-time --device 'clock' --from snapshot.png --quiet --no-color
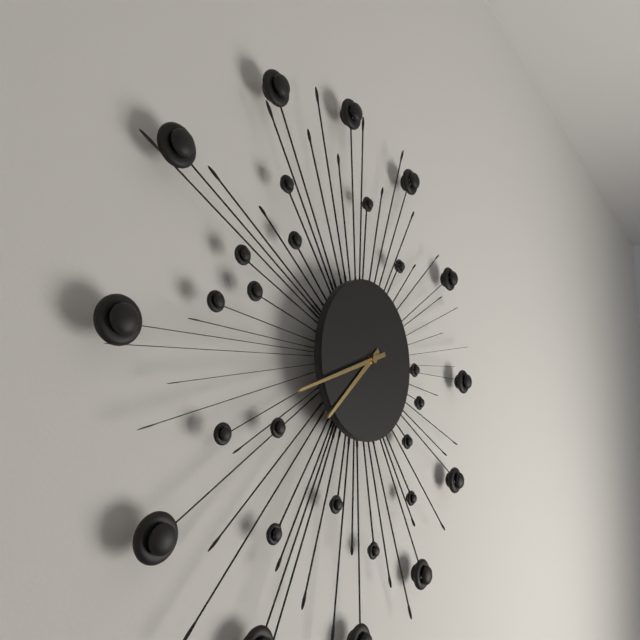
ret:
7:42
